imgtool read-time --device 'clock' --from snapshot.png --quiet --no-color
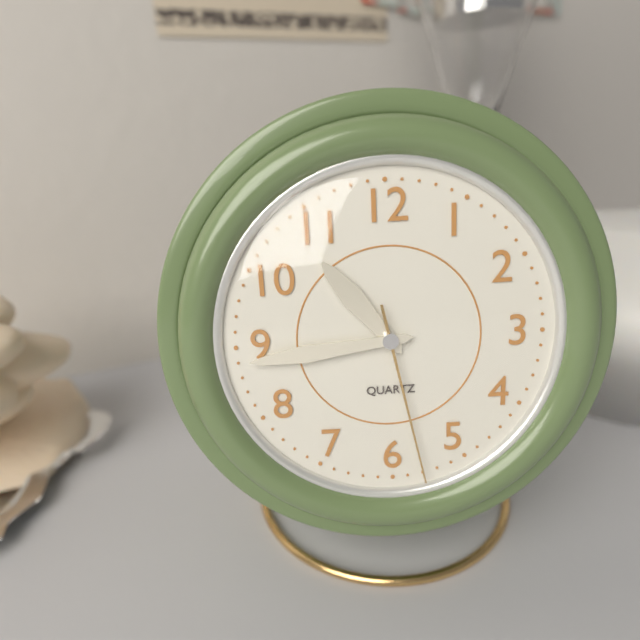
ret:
10:44:28
